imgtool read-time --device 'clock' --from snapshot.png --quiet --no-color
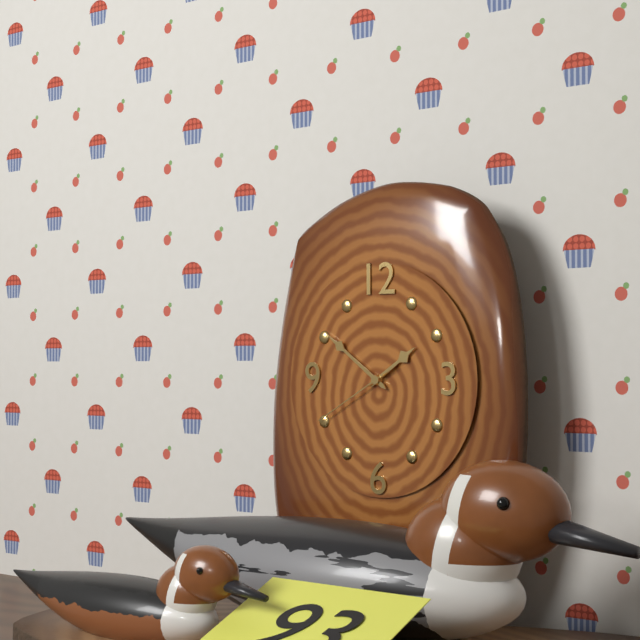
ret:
1:51:40
